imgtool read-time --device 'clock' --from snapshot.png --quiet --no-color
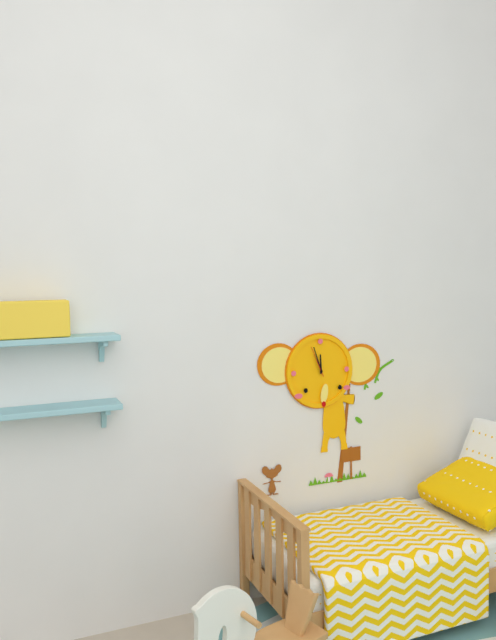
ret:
11:57
